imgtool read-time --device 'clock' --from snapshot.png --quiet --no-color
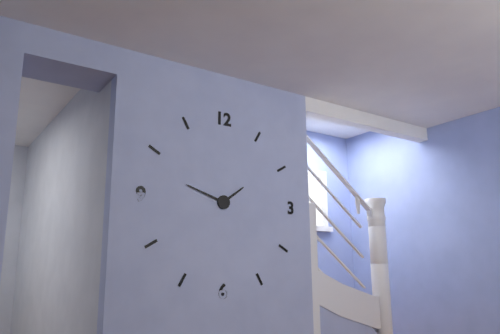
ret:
1:48
